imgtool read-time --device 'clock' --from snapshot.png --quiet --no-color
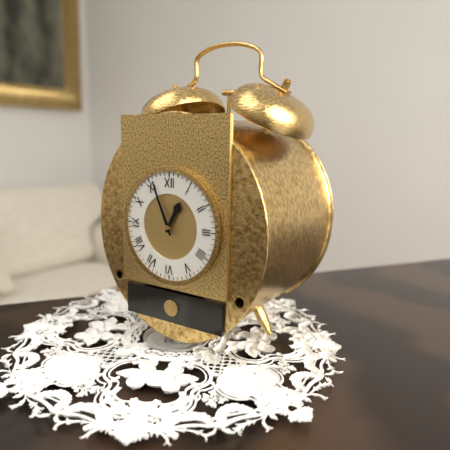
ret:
12:56
